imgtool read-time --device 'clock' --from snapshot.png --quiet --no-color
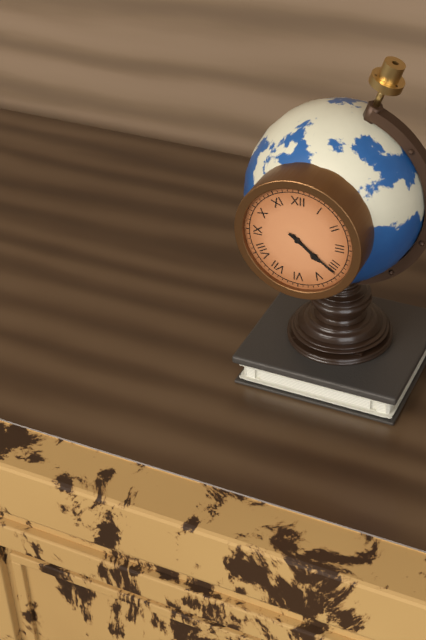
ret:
4:21
